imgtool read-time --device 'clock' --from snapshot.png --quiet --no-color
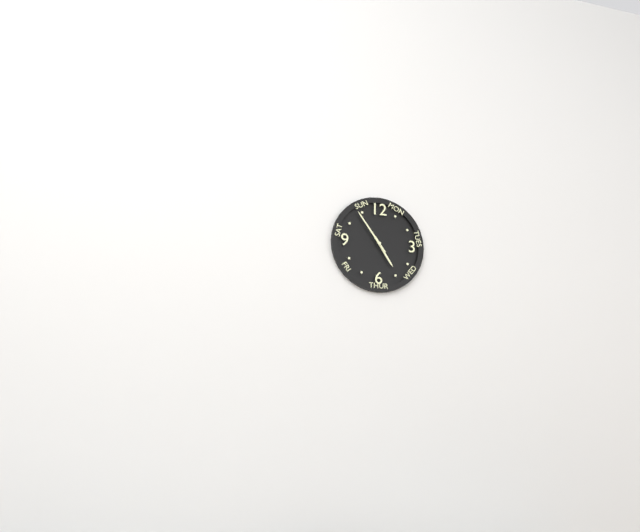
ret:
4:54
